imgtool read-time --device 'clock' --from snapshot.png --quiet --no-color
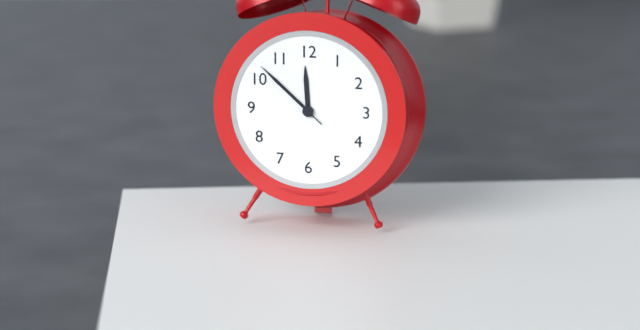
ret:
11:52:52
